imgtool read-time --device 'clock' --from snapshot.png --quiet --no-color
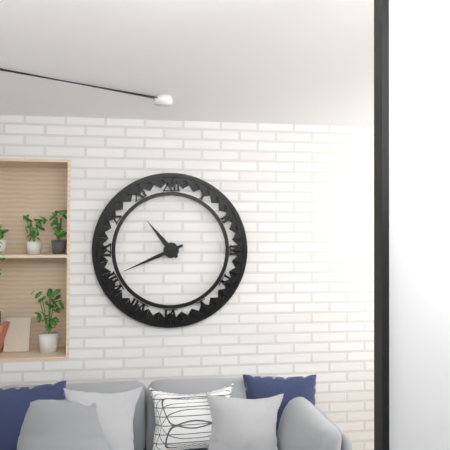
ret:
10:41
